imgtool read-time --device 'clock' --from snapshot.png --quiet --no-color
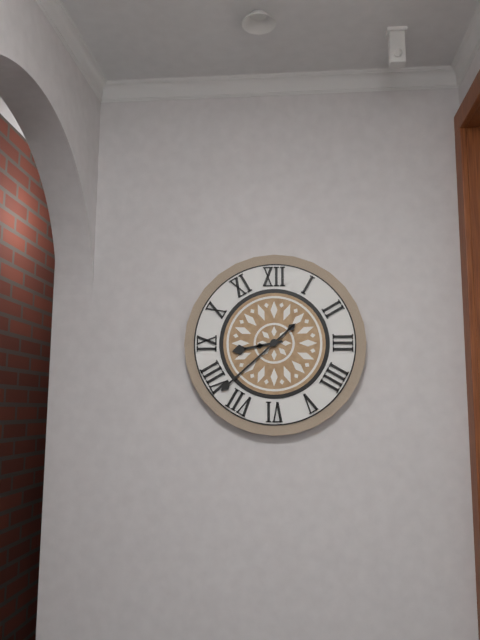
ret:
8:38
